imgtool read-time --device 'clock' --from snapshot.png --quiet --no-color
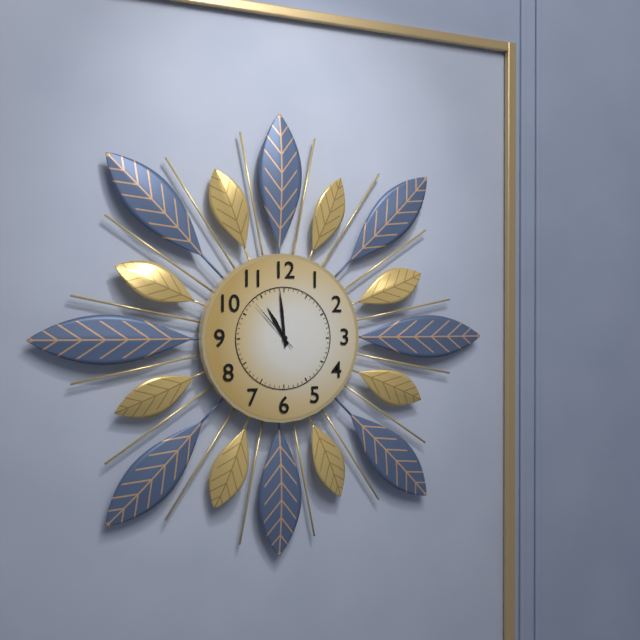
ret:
10:59:53
